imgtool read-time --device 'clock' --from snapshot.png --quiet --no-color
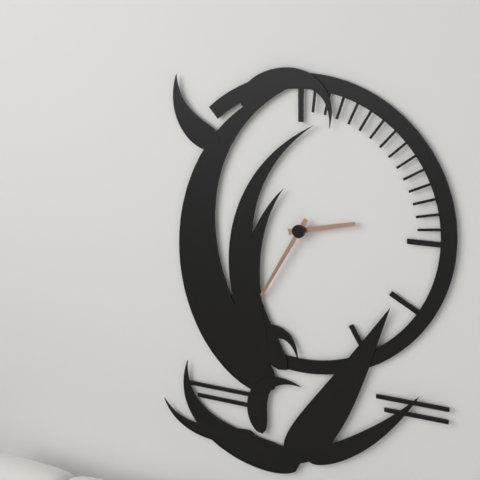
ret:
2:35
